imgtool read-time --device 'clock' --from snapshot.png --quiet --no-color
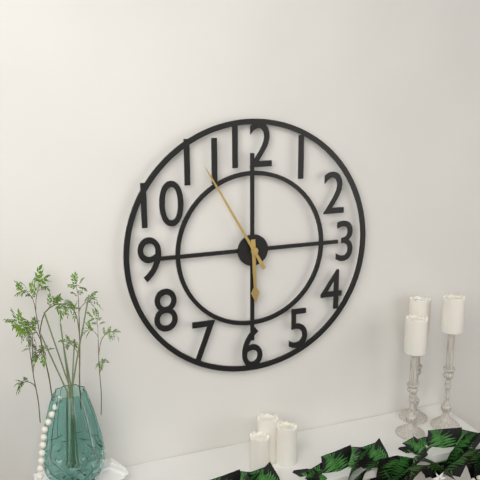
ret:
5:55
